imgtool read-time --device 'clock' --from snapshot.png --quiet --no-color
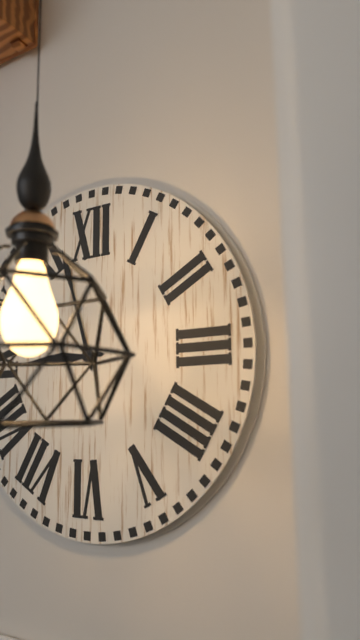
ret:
8:57
